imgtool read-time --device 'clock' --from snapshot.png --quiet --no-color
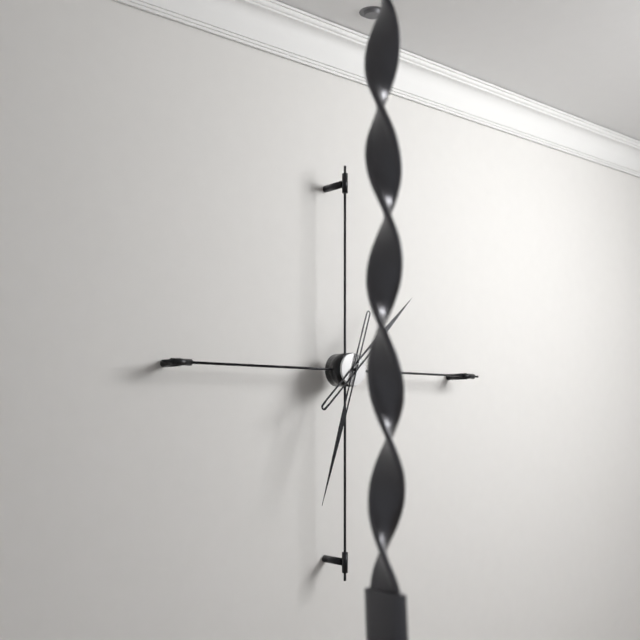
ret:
1:33
